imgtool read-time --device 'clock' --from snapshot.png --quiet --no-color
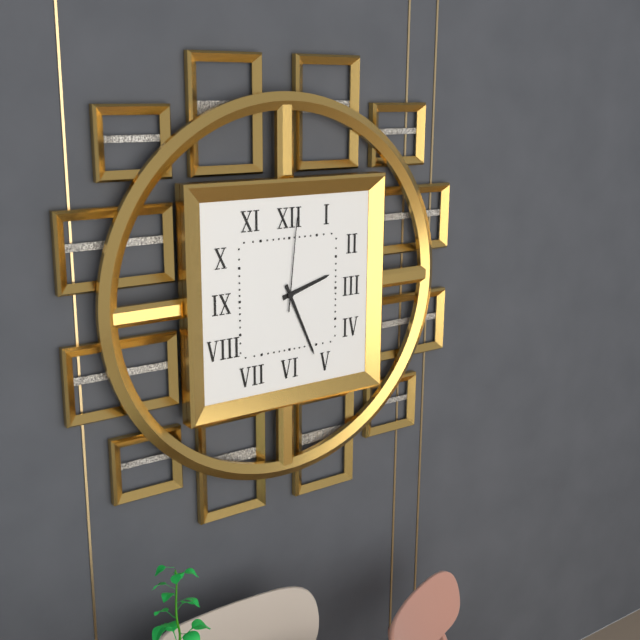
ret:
2:26:01
